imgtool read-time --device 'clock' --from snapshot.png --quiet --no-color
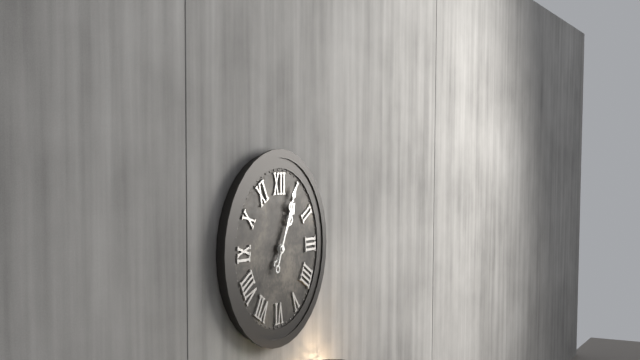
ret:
1:04
